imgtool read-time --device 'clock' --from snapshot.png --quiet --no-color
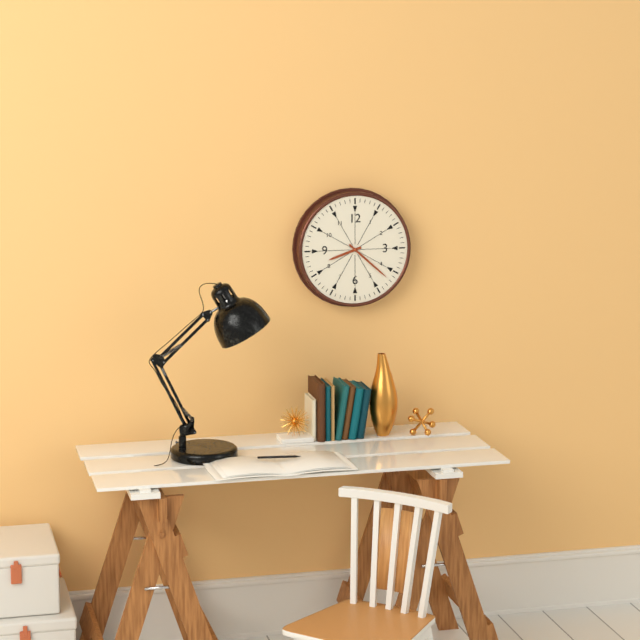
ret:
8:22
